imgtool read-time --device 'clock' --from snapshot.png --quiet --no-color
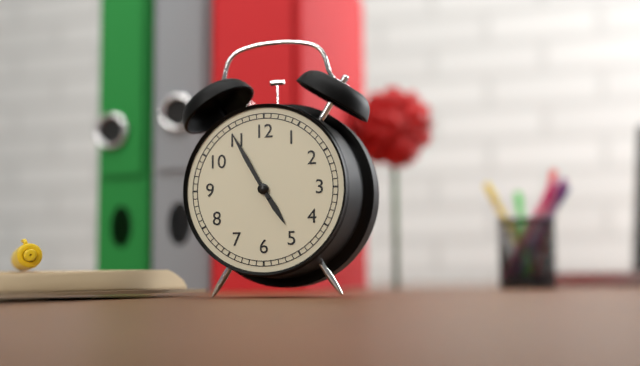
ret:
4:55
